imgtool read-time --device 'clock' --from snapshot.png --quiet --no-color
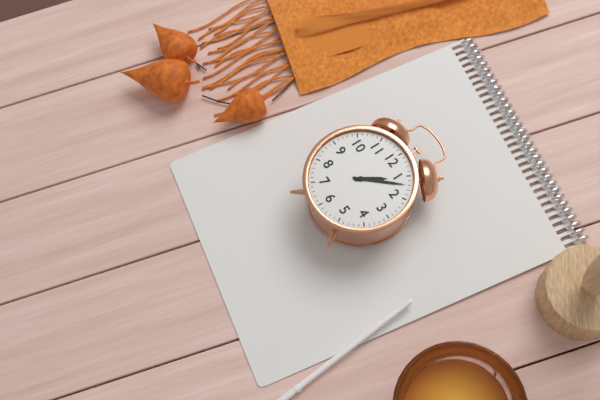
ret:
1:07
